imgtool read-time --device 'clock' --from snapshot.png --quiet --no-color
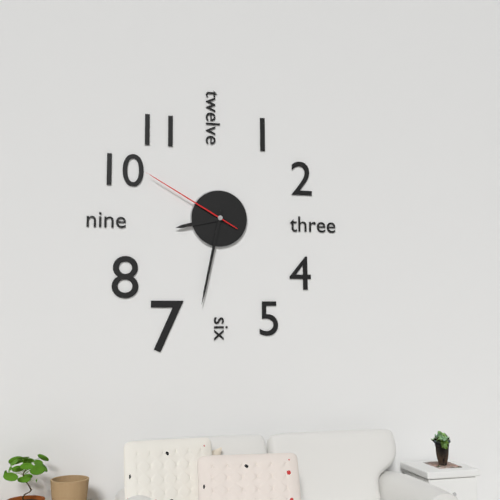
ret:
8:32:50
